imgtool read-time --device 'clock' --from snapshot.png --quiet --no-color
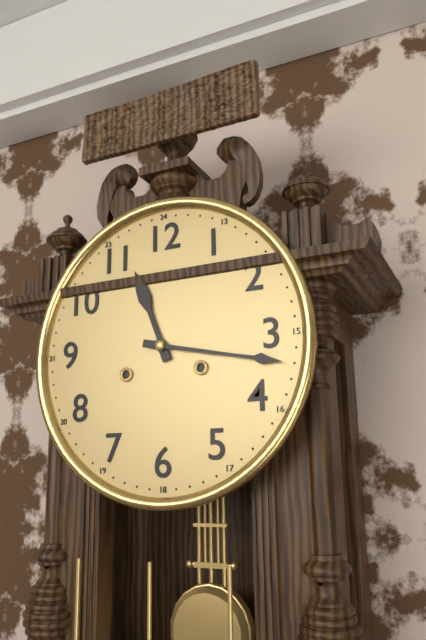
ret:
11:17
